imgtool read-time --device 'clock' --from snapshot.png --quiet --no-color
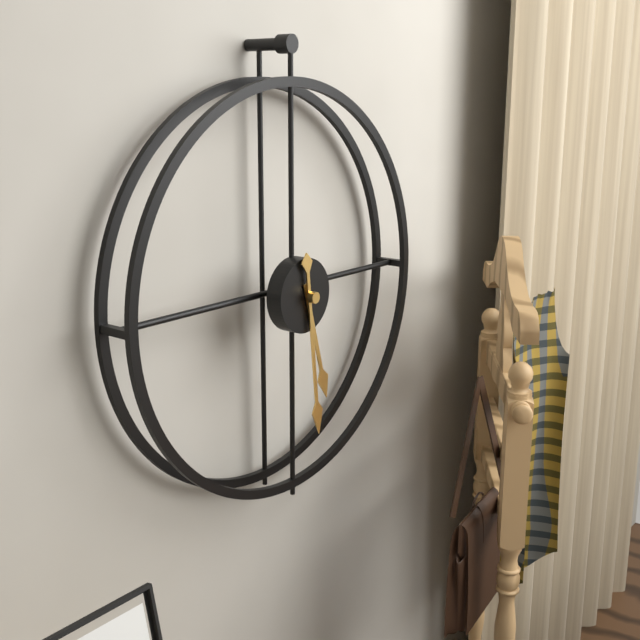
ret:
5:29
